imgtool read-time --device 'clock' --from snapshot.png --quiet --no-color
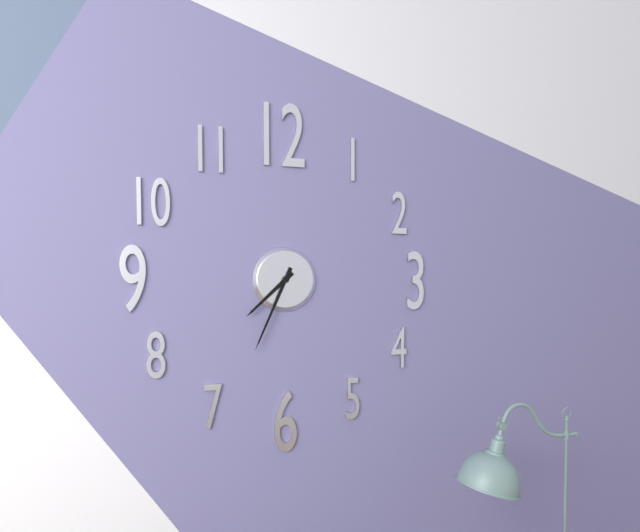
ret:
7:34
